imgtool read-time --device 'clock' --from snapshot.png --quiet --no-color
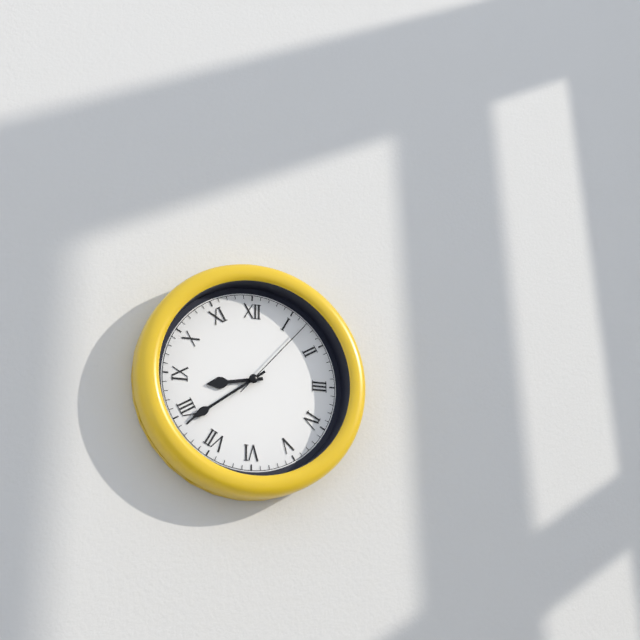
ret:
8:39:07
